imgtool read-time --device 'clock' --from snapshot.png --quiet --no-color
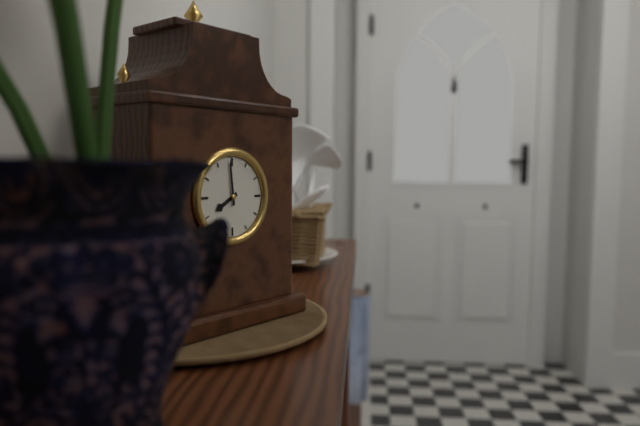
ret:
7:59
